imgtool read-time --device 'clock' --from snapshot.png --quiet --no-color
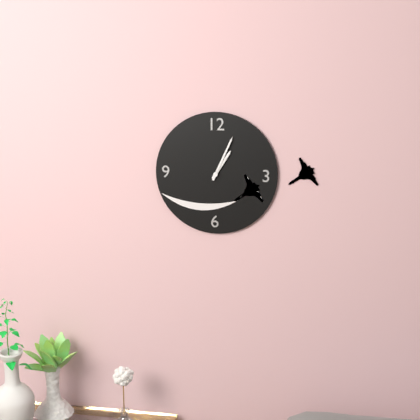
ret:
1:04
